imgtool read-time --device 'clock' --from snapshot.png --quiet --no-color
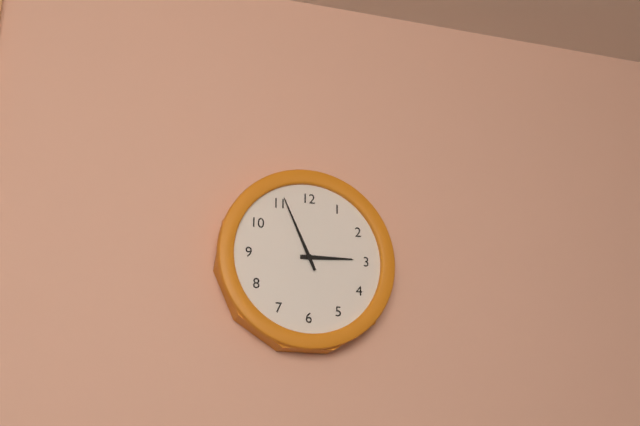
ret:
2:56
